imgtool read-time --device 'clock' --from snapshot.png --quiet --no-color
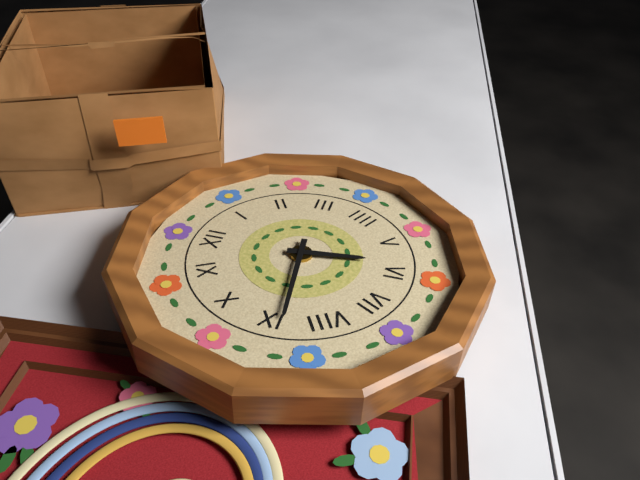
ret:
5:44
